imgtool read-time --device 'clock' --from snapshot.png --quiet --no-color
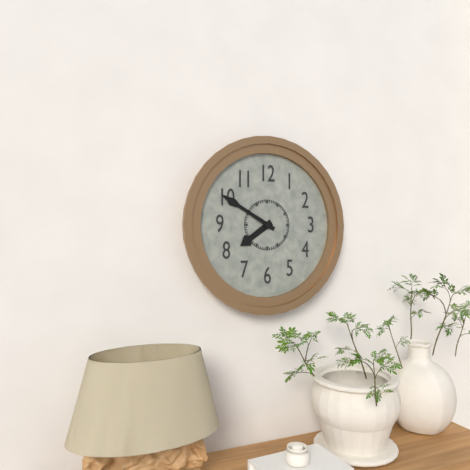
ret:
7:50
